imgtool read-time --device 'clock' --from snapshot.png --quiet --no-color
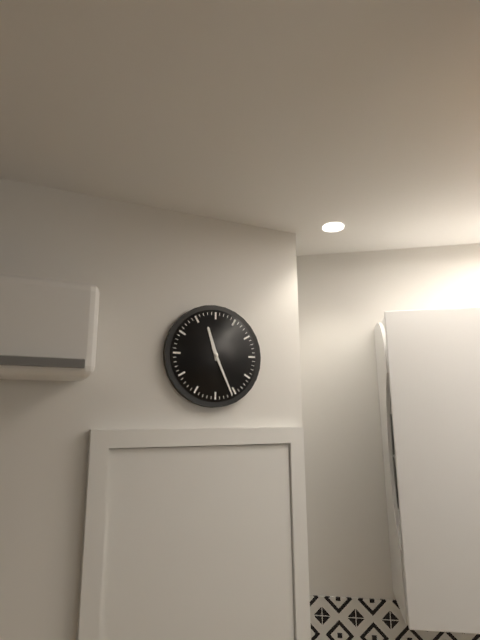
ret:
11:26
